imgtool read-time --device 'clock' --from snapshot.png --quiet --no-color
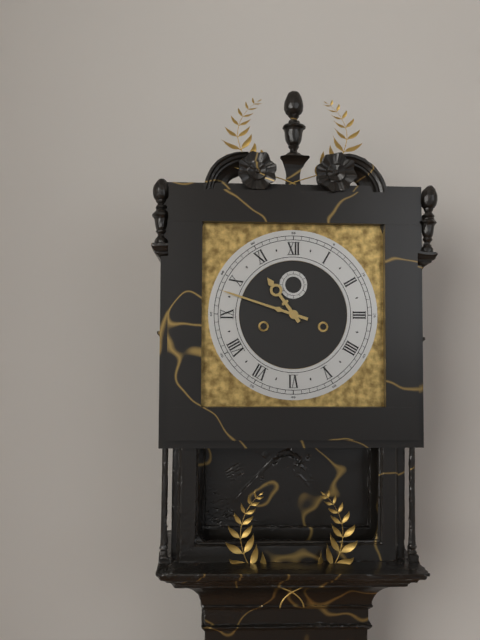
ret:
10:48
